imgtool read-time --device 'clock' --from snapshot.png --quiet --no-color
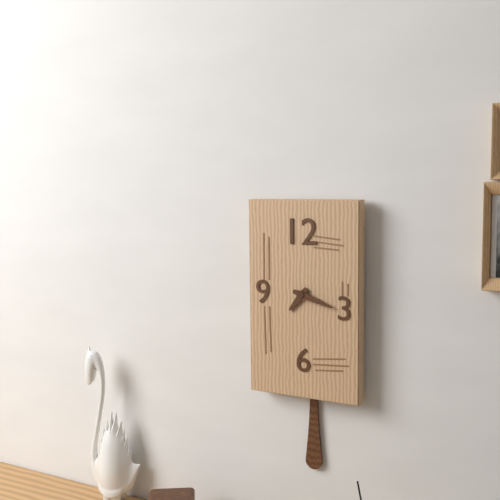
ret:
7:18
